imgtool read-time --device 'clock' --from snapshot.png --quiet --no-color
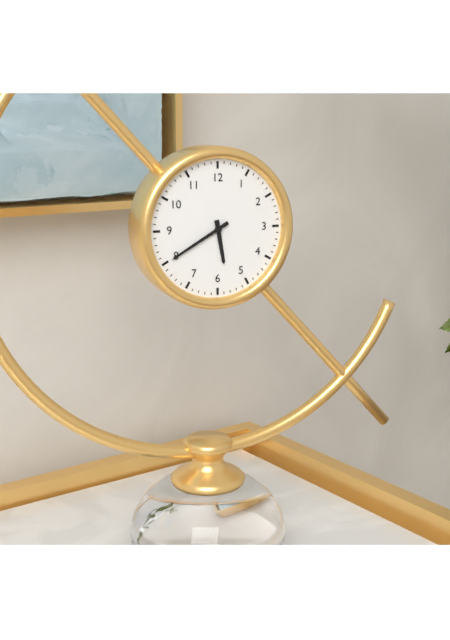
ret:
5:40
